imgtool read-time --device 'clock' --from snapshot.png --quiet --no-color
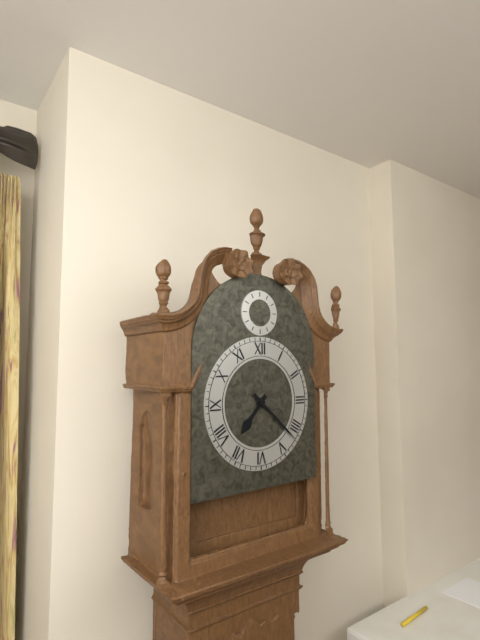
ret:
7:22
